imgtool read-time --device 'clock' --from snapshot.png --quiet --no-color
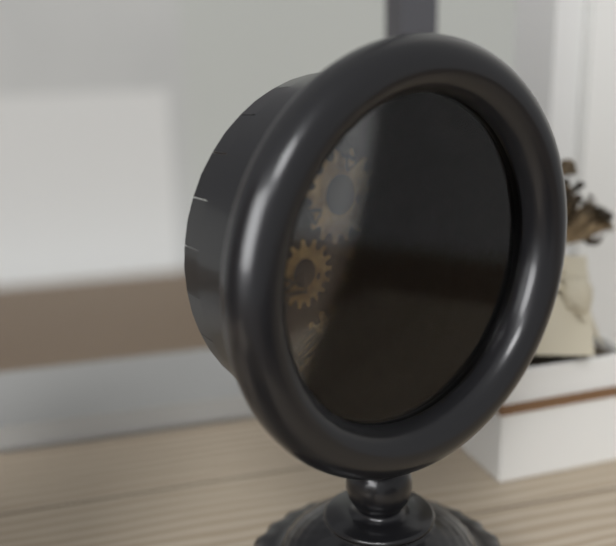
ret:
7:09
